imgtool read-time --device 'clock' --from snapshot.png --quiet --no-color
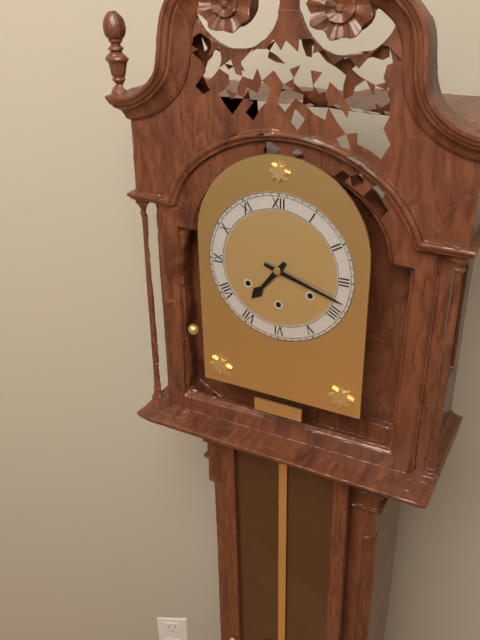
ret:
7:18
